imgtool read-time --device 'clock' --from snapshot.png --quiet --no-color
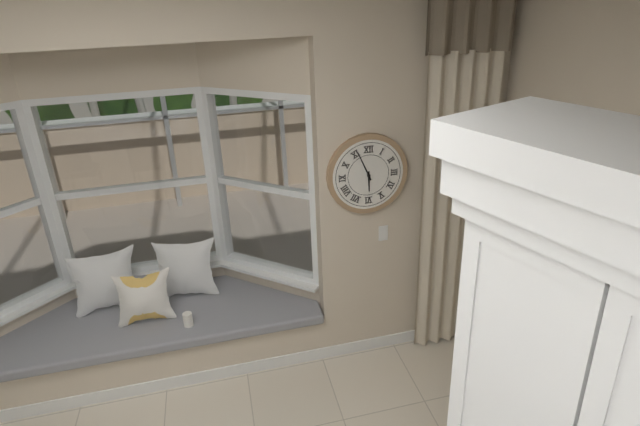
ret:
5:56
